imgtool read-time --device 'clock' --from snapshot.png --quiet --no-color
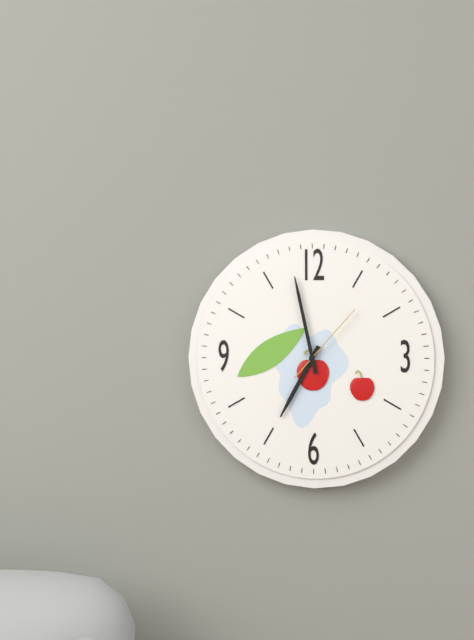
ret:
6:58:07
